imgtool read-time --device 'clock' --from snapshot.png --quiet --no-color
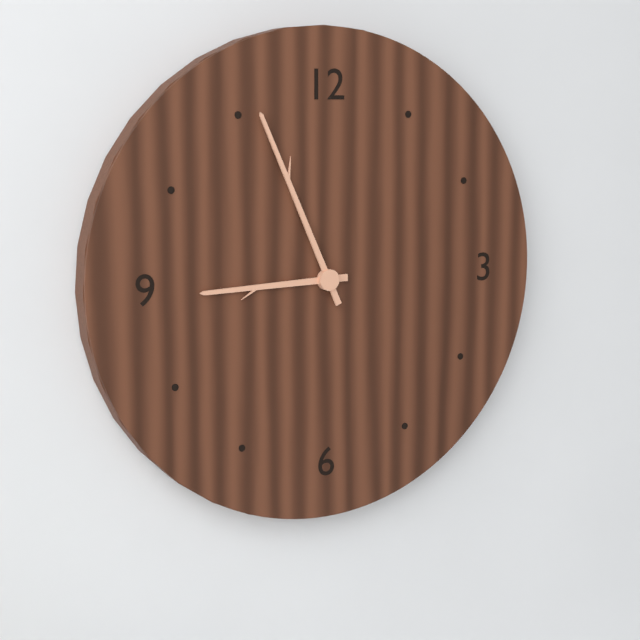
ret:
8:56
